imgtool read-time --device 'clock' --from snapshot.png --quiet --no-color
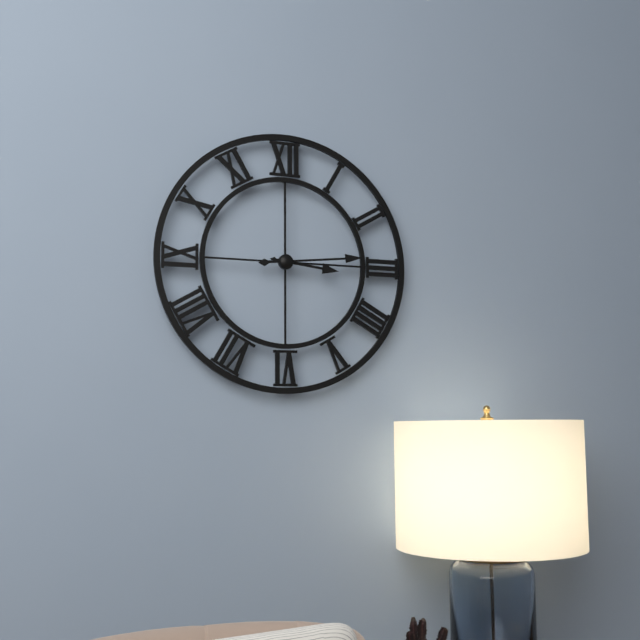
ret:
3:14
